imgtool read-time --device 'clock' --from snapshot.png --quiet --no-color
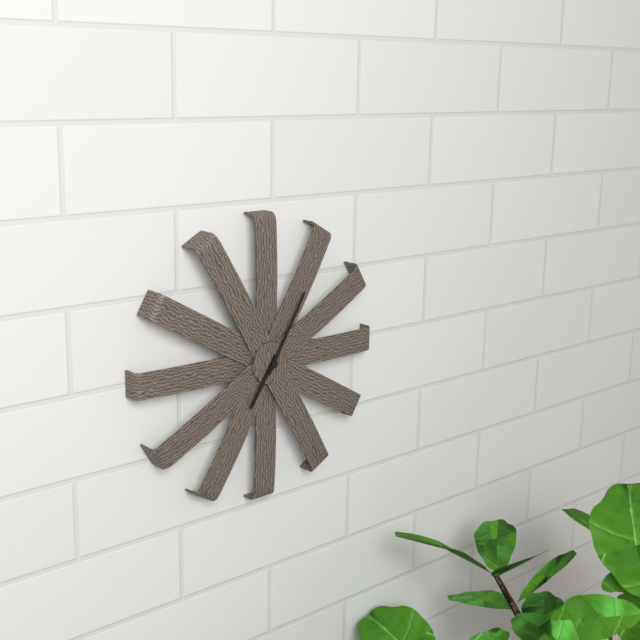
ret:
7:05
